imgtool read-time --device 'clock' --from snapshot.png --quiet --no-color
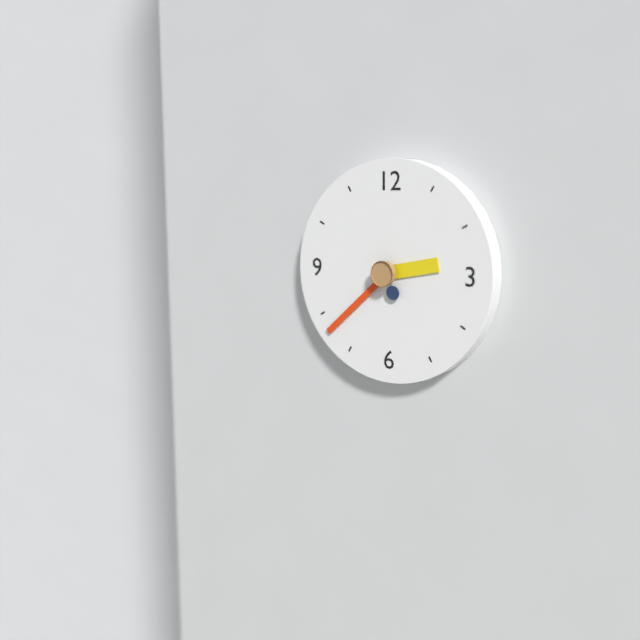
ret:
2:38
